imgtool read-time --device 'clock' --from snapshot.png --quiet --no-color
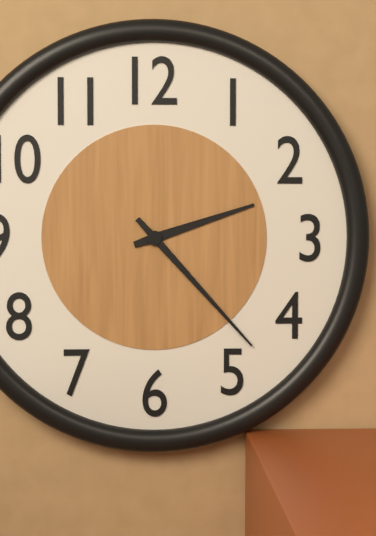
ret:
2:23
